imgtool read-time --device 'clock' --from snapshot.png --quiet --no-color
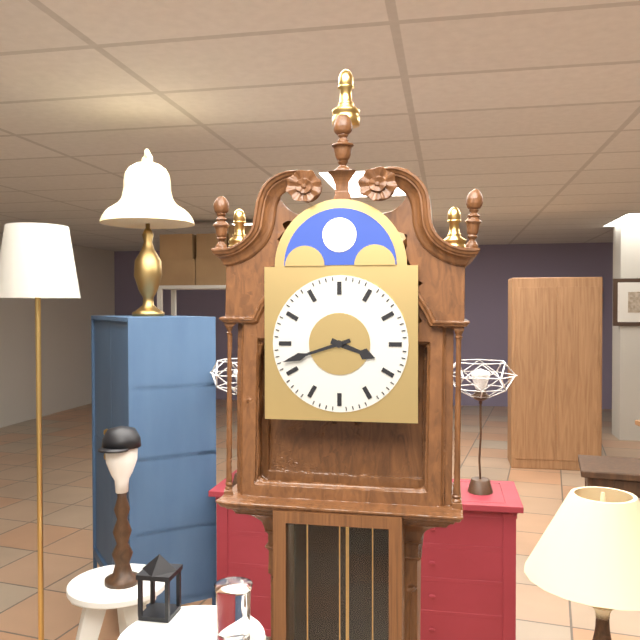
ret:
3:42
